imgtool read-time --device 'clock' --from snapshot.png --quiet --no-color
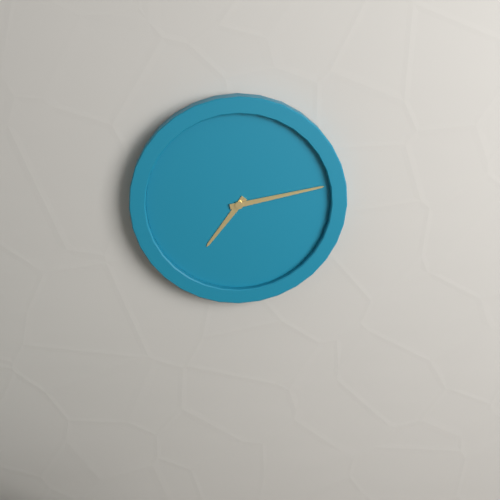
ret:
7:13
